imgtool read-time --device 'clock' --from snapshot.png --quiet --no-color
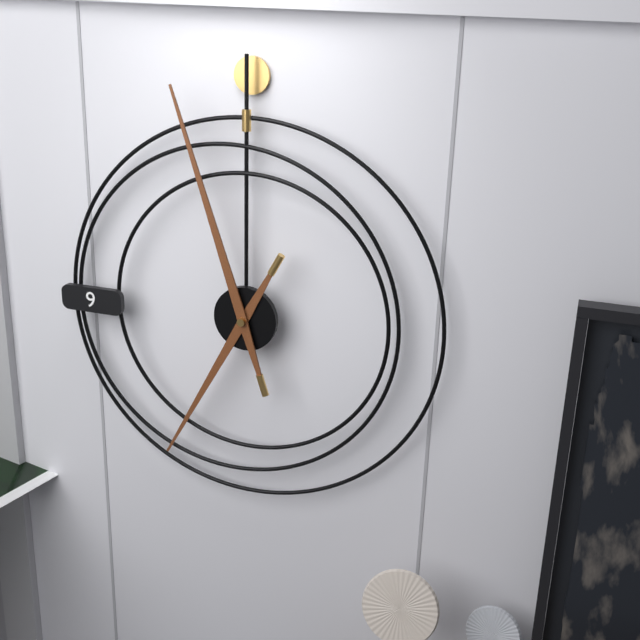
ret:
6:57
